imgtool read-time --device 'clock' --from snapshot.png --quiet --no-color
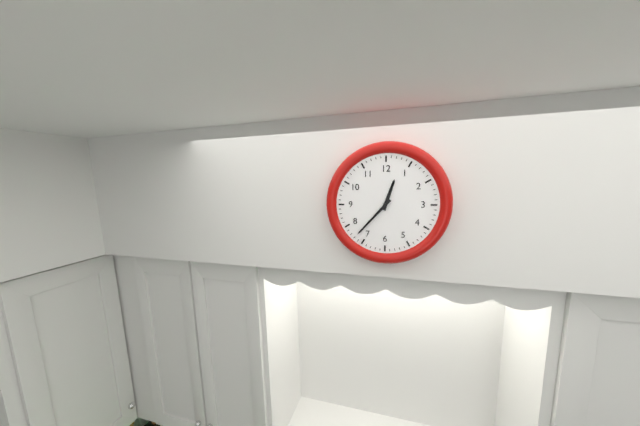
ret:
12:37
